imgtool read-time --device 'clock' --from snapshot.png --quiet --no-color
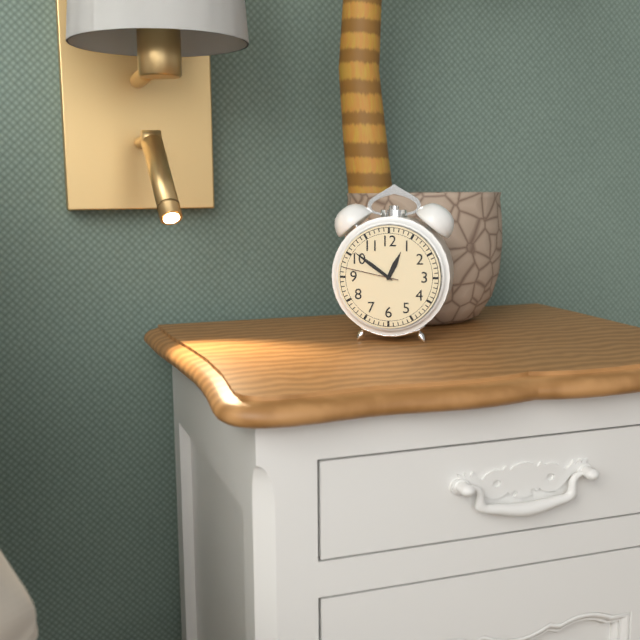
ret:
12:51:47
